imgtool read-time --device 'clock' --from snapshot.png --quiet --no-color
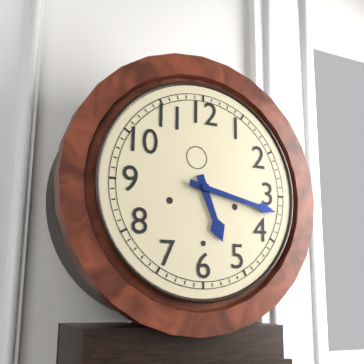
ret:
5:17
